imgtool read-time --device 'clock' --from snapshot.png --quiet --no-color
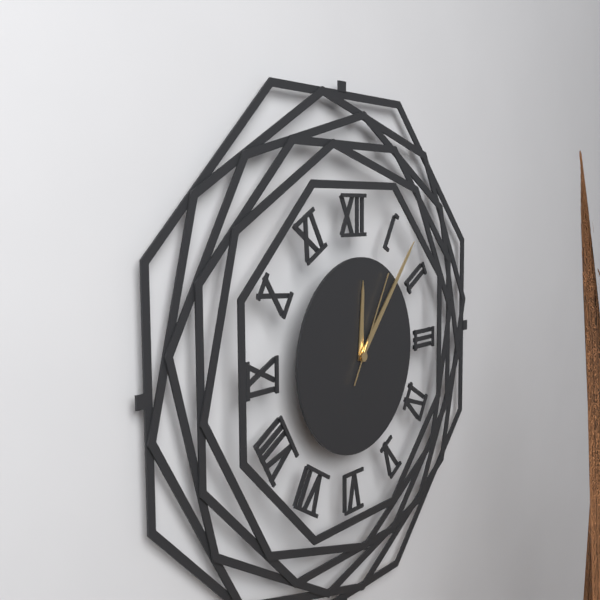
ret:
12:07:05
